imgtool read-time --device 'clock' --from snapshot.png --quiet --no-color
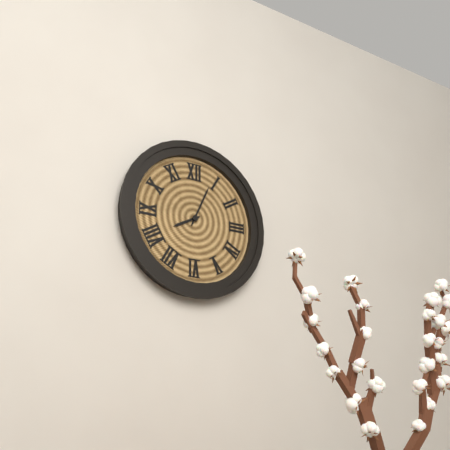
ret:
8:04
